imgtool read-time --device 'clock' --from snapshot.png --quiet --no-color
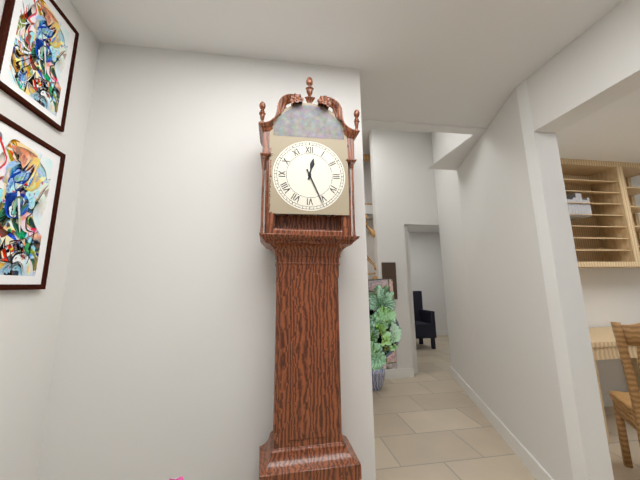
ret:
12:26
